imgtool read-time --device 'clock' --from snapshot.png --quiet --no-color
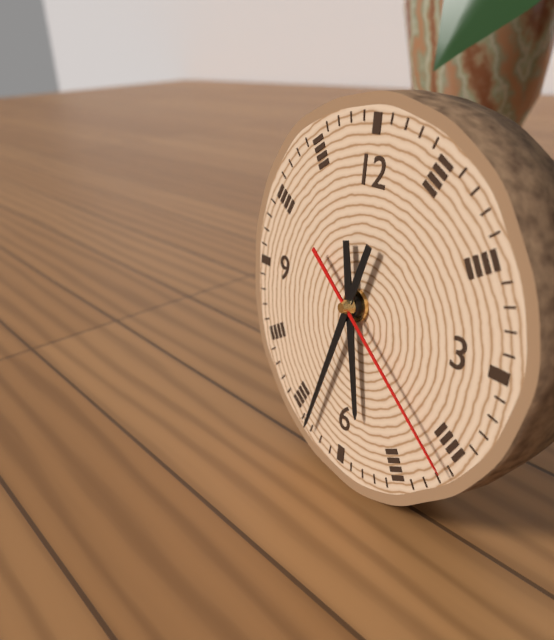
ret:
5:33:21
